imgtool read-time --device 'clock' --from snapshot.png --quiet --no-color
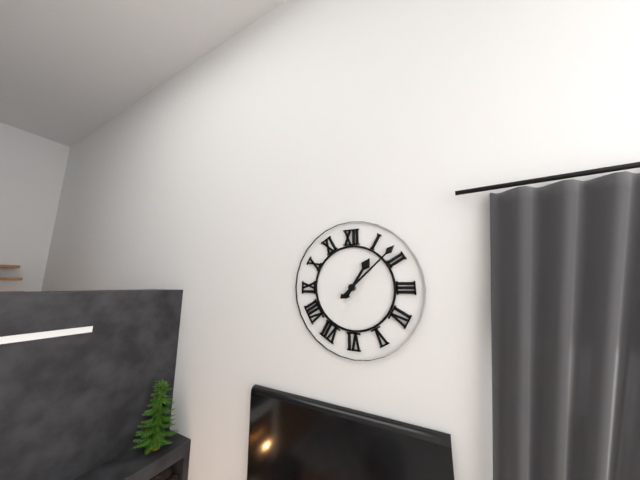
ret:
1:08
